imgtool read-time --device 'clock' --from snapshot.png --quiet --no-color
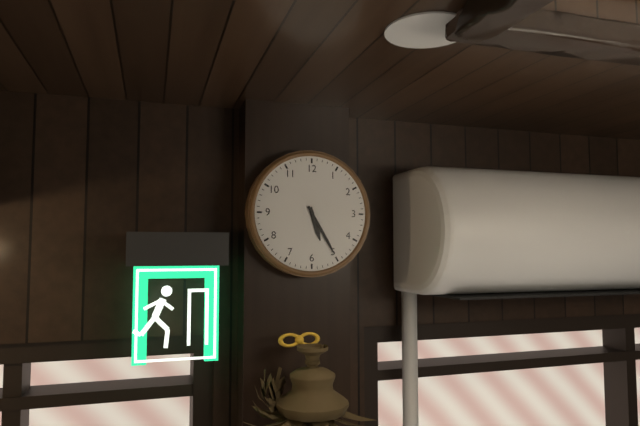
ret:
5:25
